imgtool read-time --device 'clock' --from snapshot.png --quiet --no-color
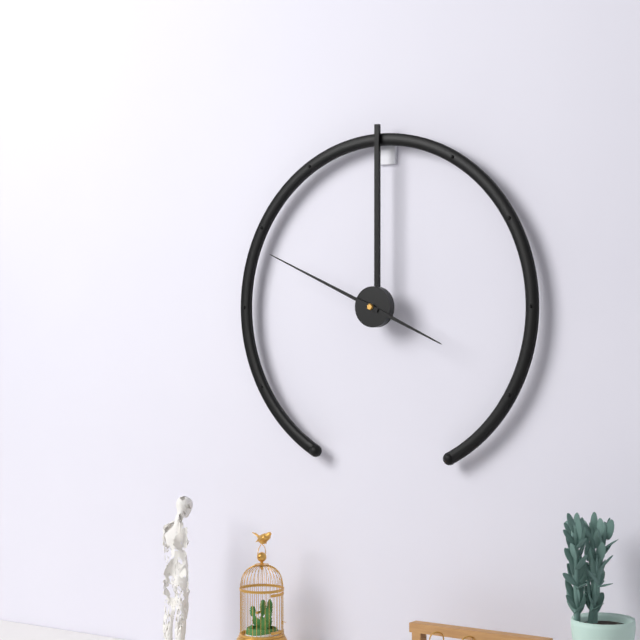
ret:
3:49
